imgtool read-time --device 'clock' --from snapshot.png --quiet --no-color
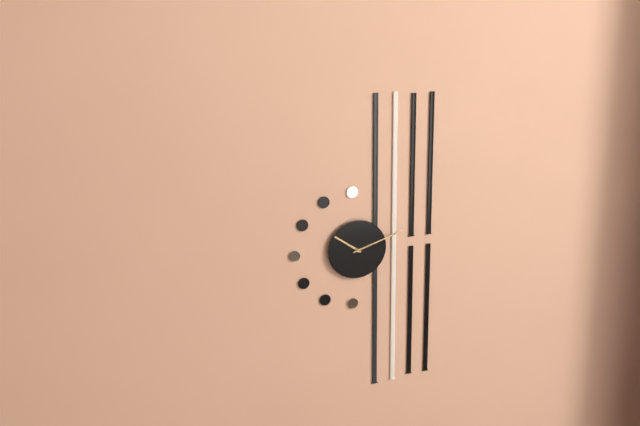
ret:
10:12
